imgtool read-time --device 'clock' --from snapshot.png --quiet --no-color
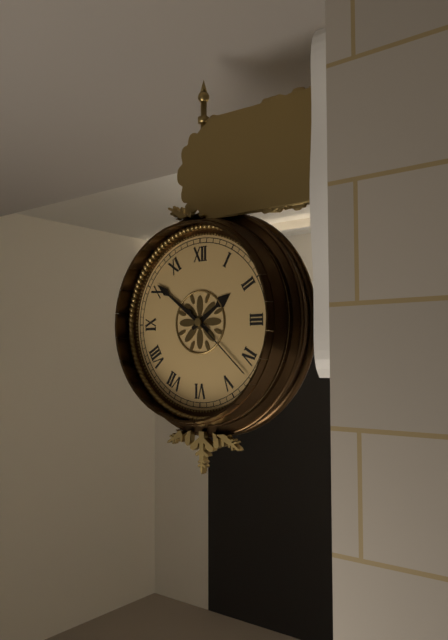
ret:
1:51:22
